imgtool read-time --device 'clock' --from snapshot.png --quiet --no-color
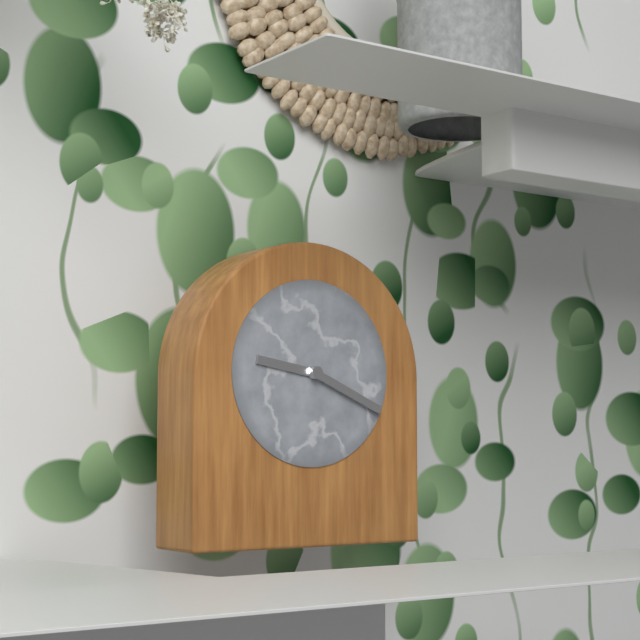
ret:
9:19
